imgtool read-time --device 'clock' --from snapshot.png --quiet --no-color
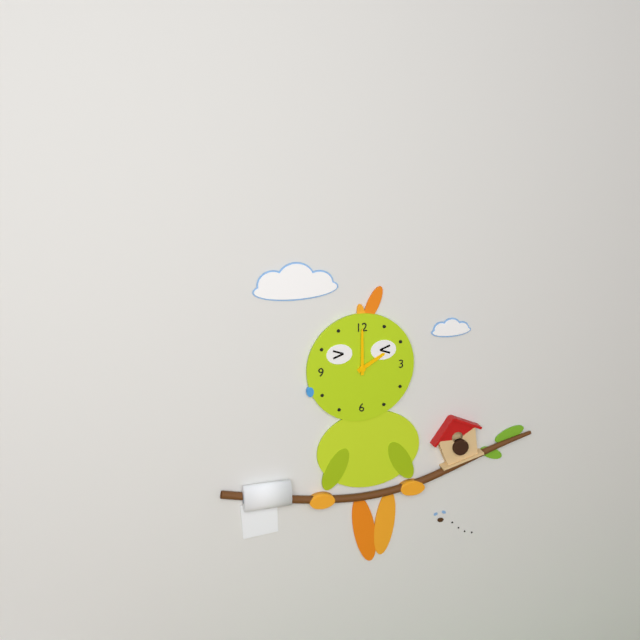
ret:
2:00
